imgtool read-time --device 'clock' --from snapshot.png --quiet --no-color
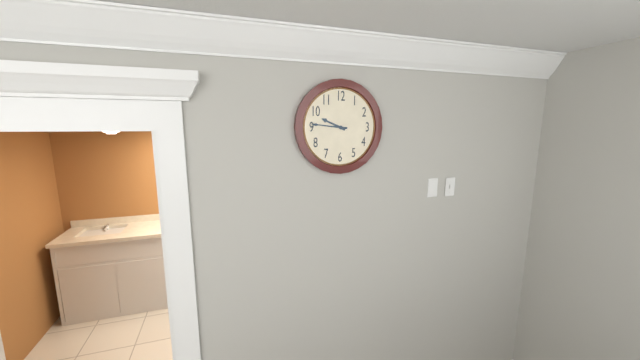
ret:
9:46
